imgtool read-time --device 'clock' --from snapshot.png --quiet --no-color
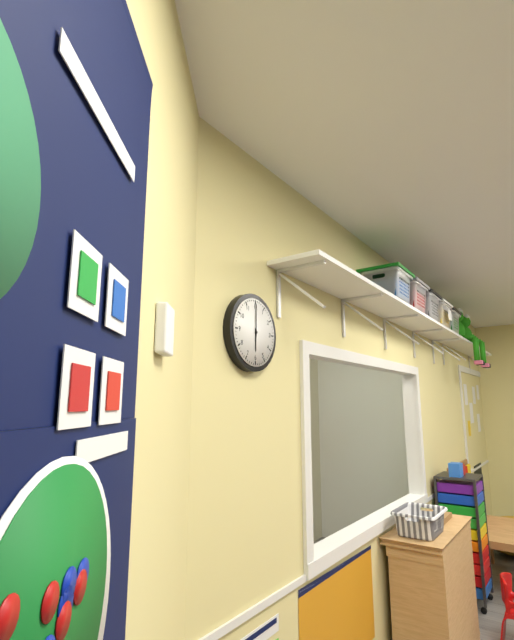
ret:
6:00
